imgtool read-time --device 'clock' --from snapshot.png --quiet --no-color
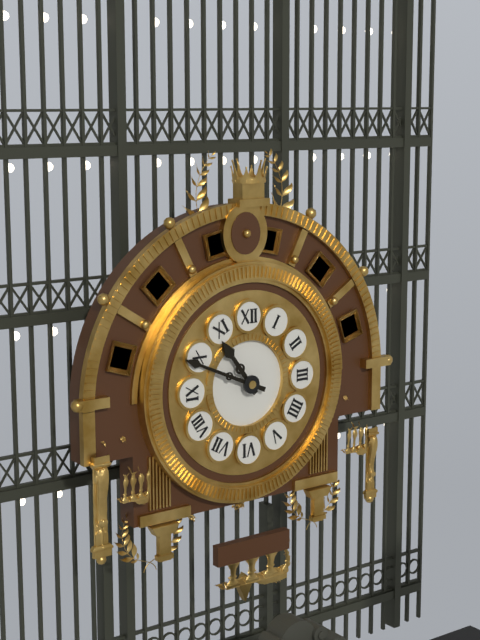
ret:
10:49
